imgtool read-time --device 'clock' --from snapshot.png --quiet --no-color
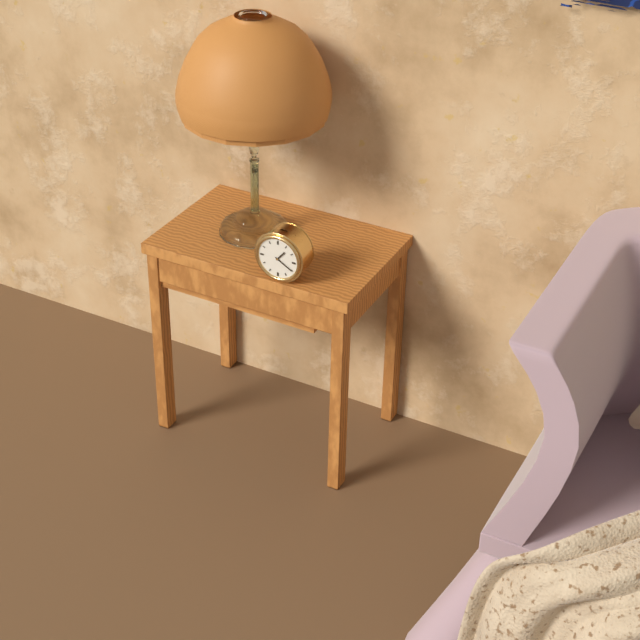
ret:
1:20
